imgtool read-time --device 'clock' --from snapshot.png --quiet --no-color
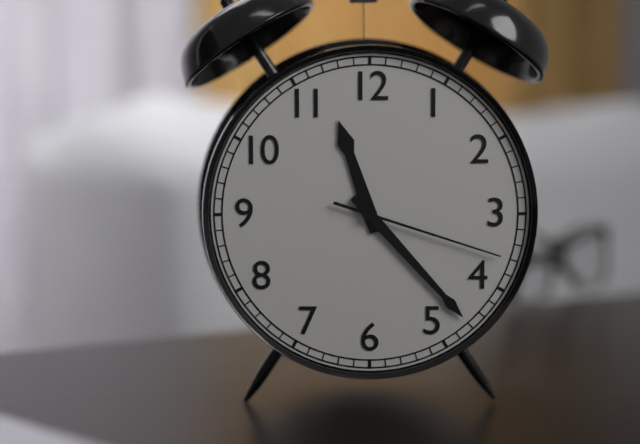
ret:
11:23:18
